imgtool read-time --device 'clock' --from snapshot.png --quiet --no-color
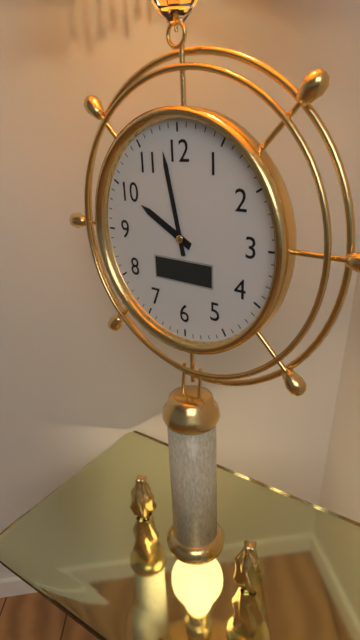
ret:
9:58
